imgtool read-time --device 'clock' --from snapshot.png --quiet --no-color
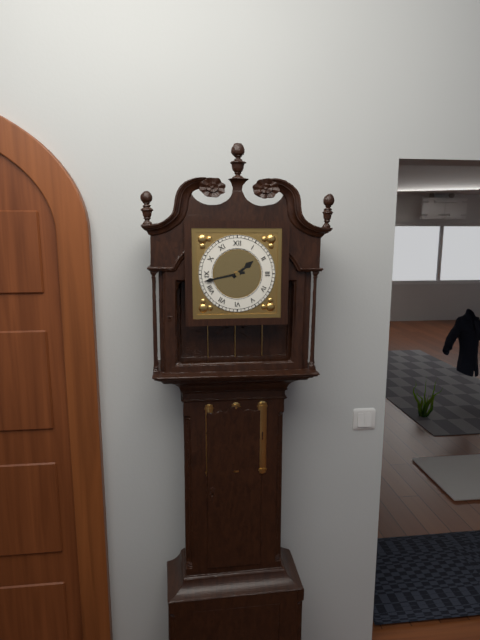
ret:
1:43
